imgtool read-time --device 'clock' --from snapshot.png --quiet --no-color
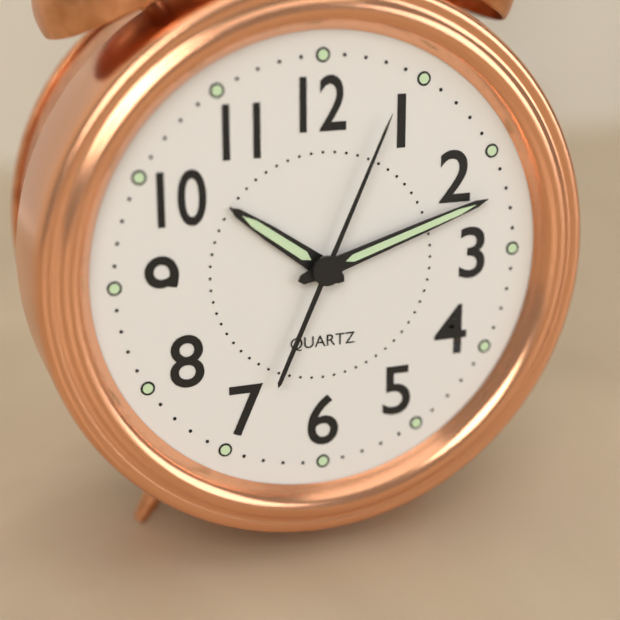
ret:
10:12:04
